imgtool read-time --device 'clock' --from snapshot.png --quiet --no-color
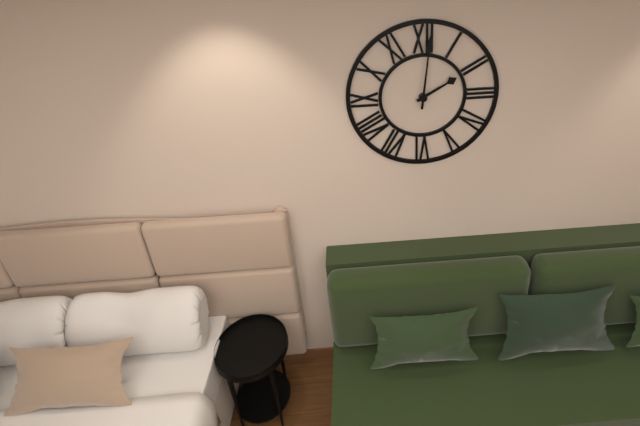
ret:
2:01
